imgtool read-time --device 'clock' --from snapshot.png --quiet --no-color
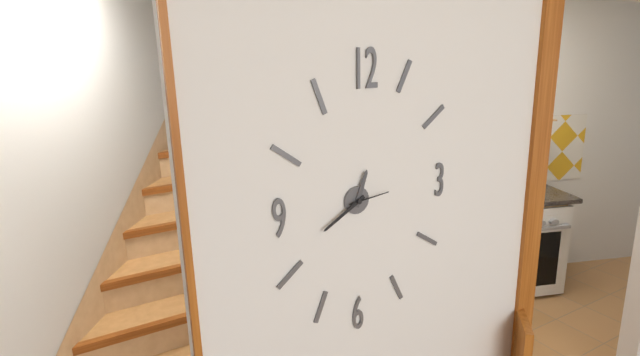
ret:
12:40
